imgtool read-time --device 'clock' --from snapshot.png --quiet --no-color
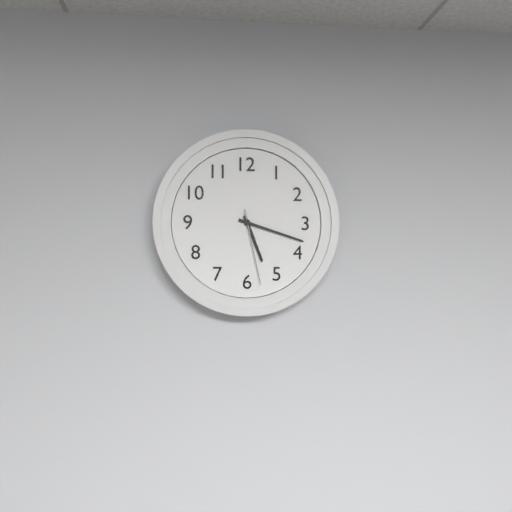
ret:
5:18:28
